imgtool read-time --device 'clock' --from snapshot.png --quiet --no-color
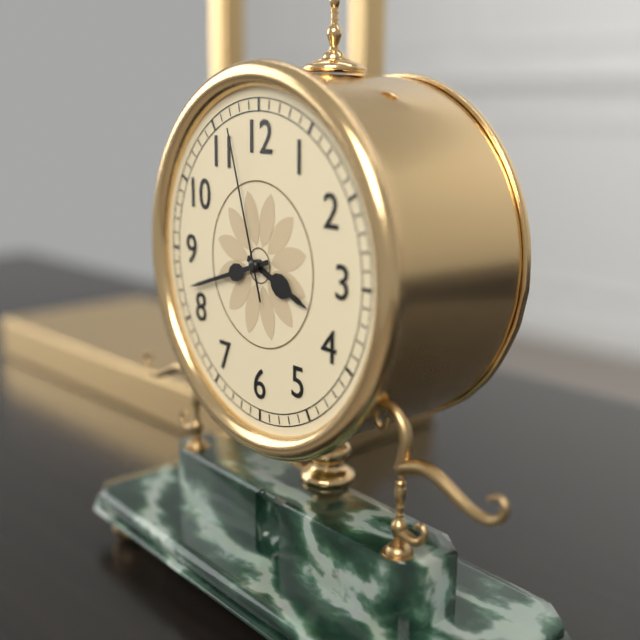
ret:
3:42:57
